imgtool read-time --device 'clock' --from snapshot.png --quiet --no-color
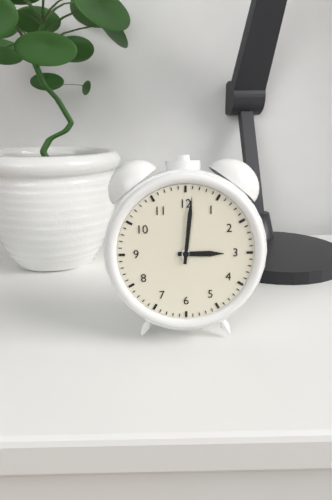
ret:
3:01
